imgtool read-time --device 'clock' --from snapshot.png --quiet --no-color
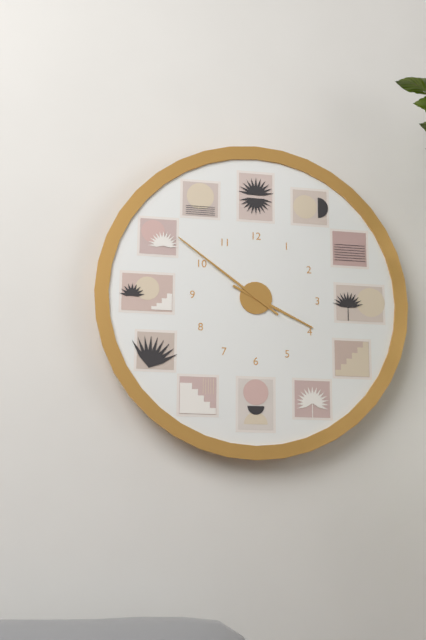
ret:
3:51
